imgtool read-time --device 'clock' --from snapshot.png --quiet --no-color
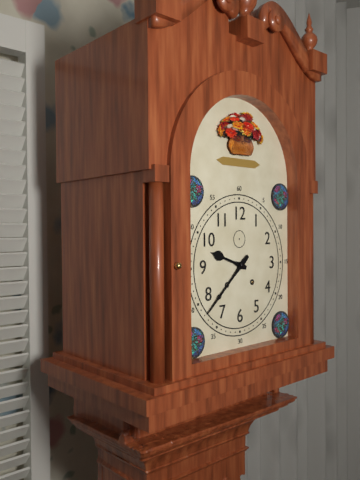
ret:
9:38
